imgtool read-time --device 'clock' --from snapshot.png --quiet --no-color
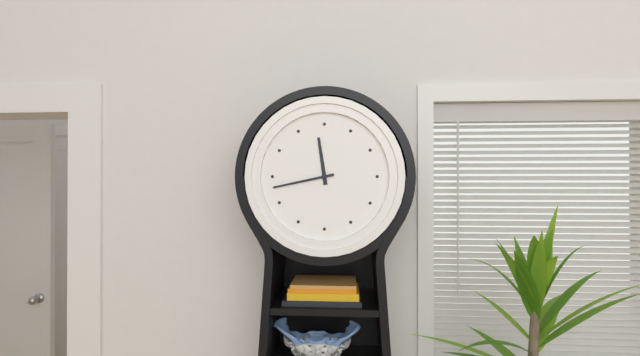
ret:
11:43
